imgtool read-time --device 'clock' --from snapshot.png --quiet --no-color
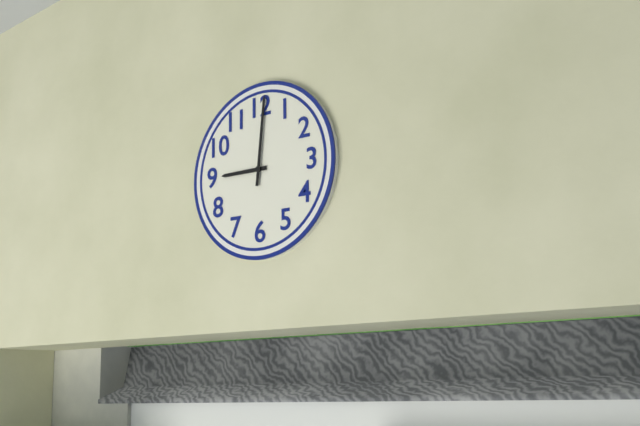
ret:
9:01
